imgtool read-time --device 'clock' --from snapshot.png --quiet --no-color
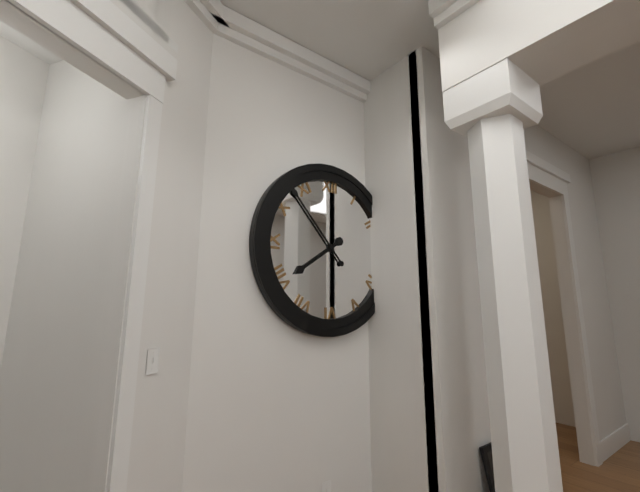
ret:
7:53
